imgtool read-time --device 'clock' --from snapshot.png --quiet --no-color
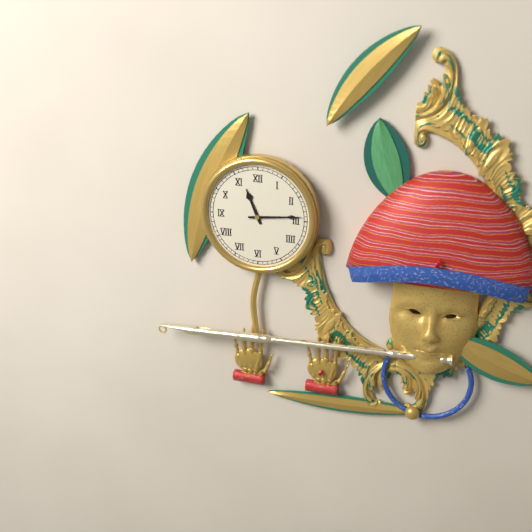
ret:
11:14
